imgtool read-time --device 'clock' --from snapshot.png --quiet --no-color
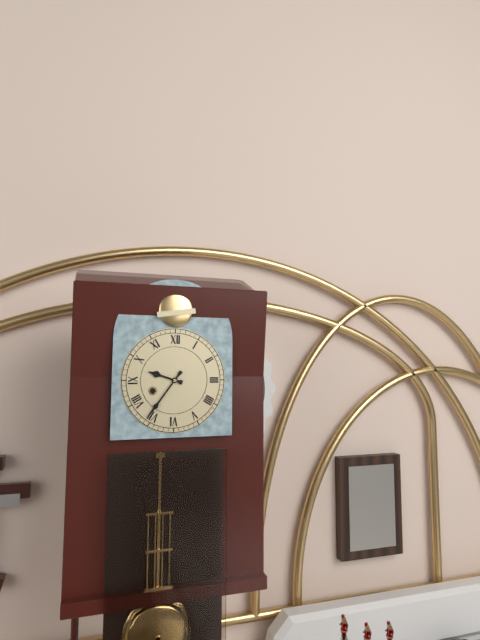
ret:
9:36
